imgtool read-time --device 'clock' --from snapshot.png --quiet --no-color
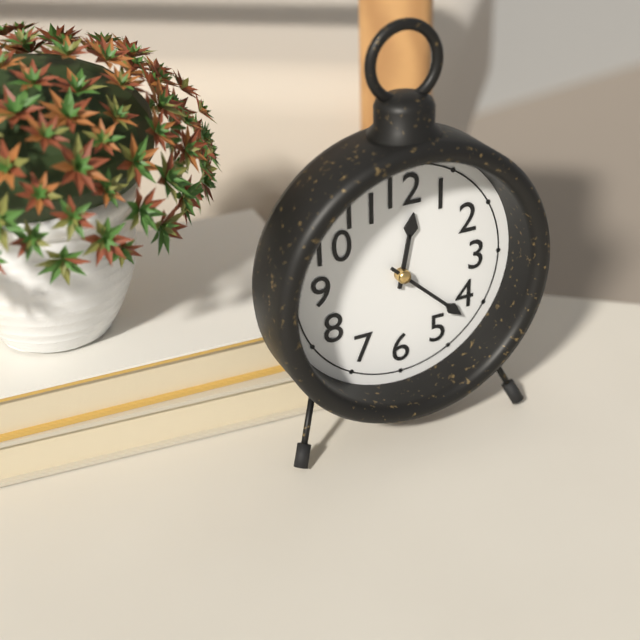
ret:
12:22
